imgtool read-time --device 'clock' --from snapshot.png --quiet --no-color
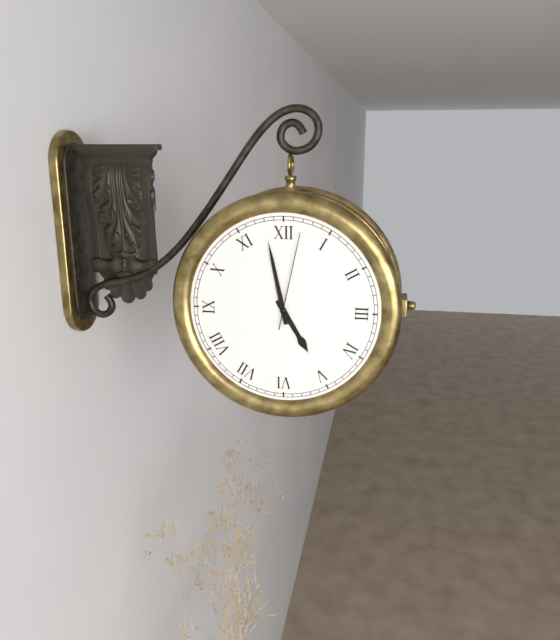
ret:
4:58:02
